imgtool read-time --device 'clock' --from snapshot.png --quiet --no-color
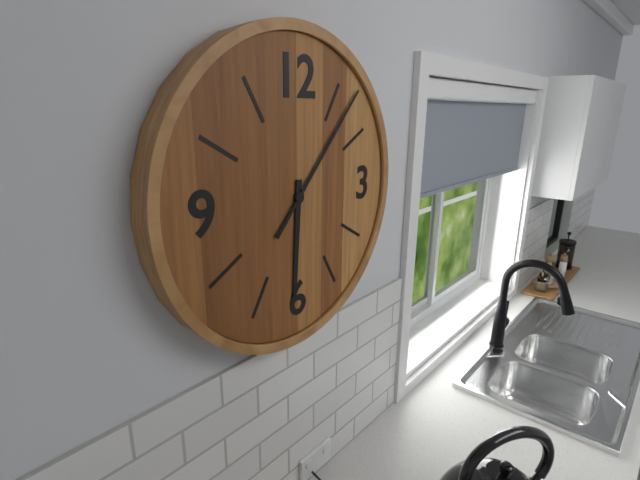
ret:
6:07
